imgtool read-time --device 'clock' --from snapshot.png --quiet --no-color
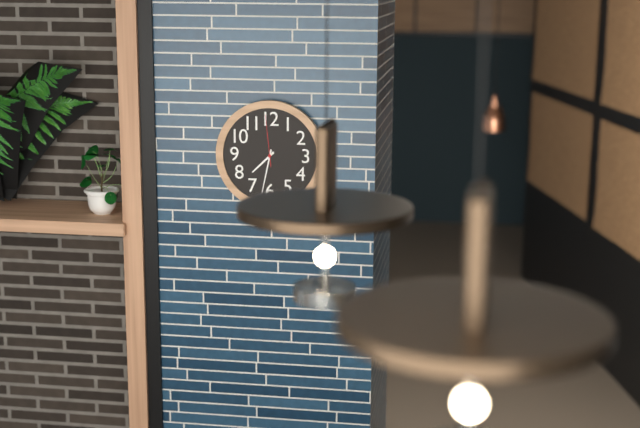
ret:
7:32:59
